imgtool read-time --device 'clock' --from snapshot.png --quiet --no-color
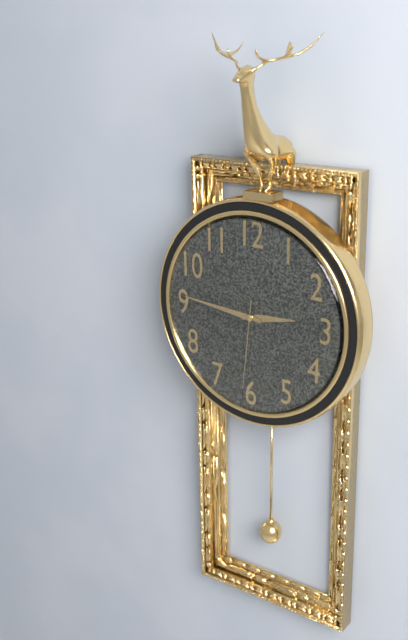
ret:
2:46:31
